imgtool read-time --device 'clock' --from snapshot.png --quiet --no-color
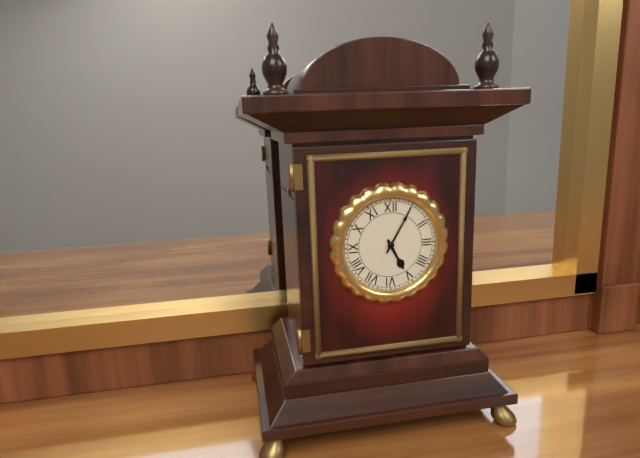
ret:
5:05
